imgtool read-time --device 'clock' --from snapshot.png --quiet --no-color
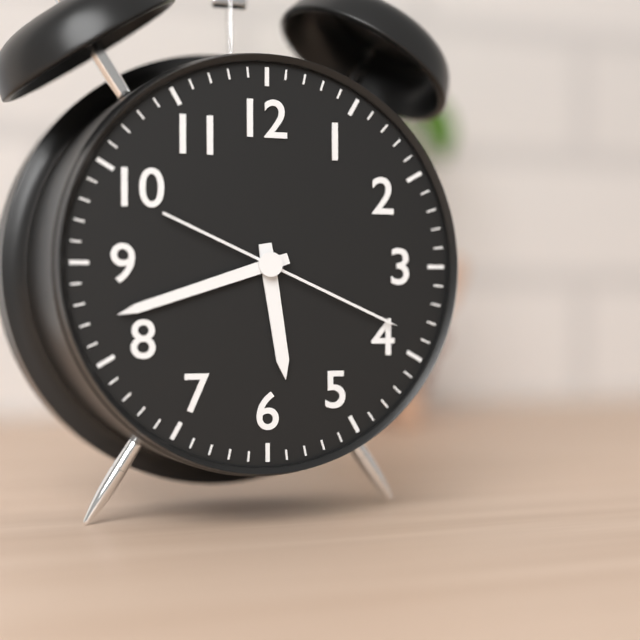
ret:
5:42:19
